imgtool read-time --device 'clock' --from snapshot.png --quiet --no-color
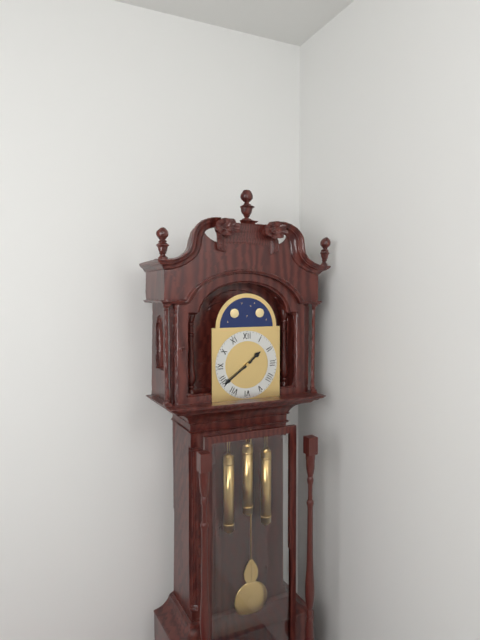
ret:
1:39
